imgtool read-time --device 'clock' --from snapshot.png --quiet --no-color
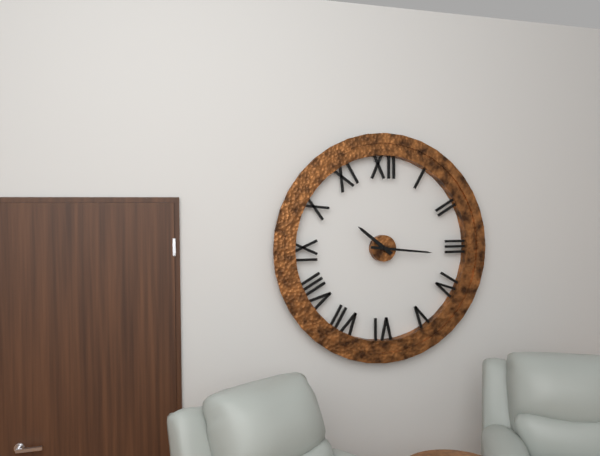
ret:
10:16
